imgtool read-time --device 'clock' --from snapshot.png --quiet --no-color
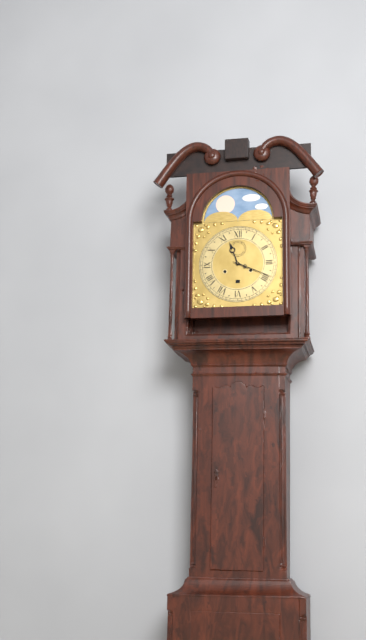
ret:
11:19
